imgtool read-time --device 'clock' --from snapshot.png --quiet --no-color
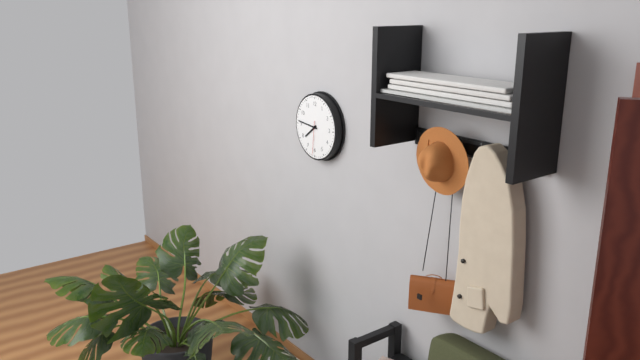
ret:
7:46
